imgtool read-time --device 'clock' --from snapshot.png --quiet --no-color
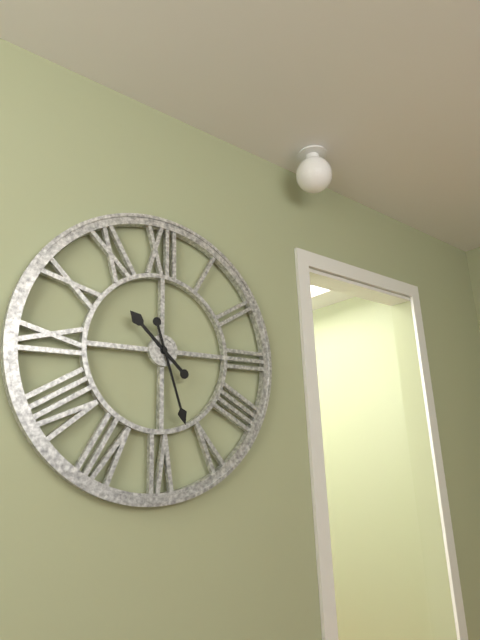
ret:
10:27
